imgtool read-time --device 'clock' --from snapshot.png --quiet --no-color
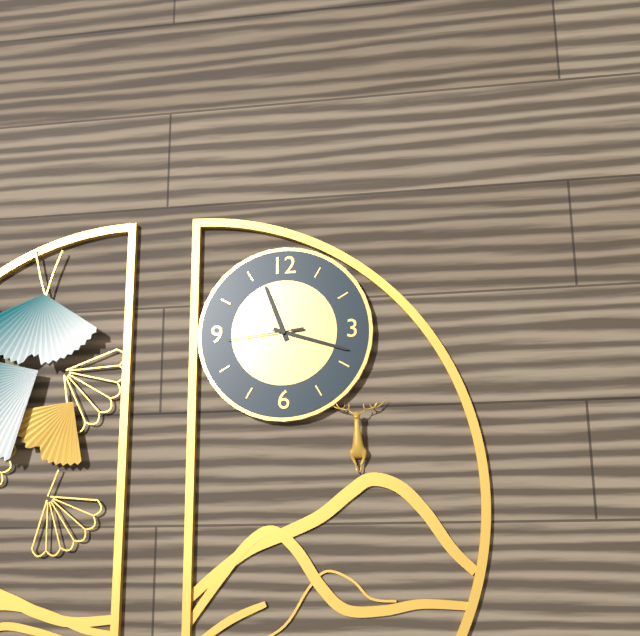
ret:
11:18:44
